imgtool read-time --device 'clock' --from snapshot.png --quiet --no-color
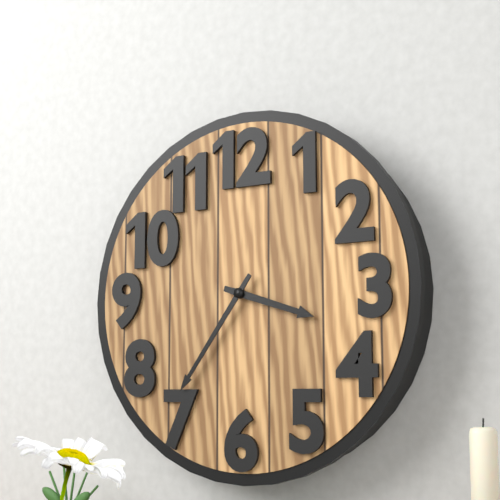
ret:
3:36
